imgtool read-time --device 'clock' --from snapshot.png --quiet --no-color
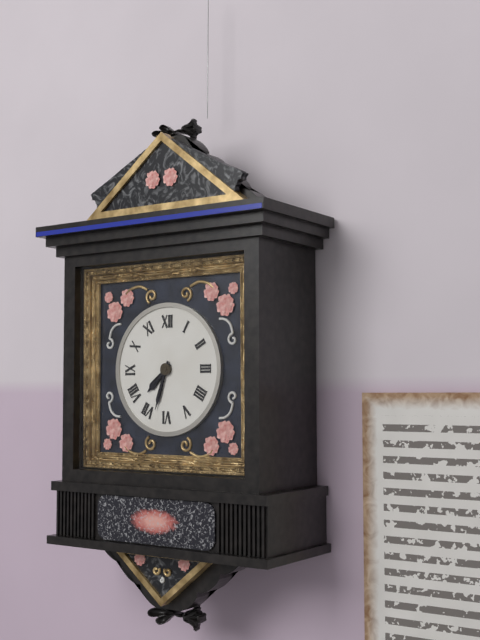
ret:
7:33
